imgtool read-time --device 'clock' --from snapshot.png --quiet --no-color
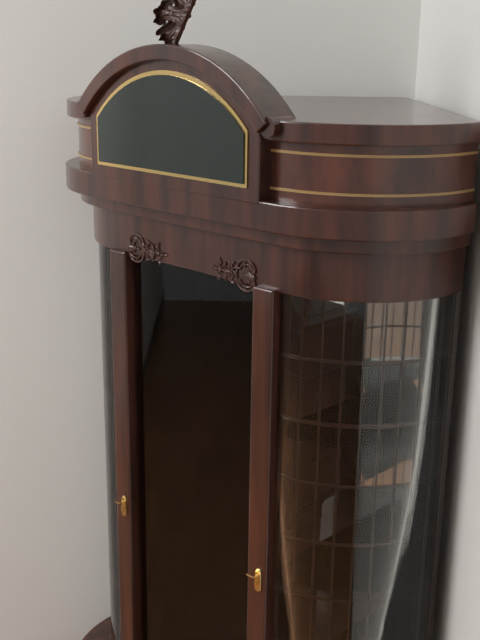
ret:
2:48
